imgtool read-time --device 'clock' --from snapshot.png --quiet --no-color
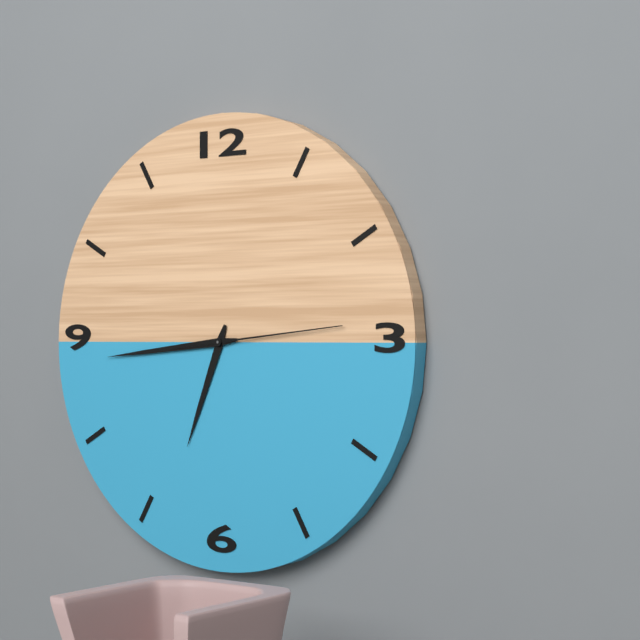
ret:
6:44:14
